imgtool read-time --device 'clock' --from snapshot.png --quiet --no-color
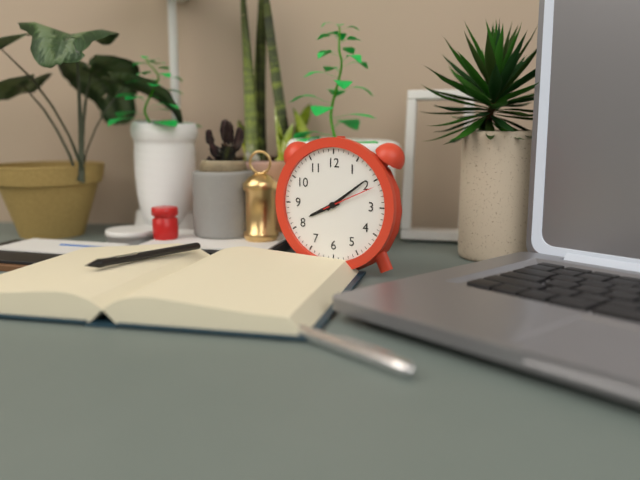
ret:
8:09:11
